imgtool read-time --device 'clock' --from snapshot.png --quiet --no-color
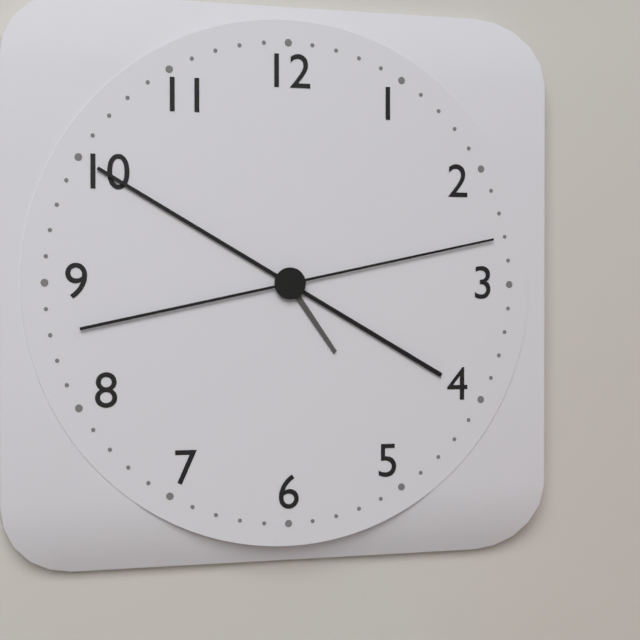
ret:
4:50:13
